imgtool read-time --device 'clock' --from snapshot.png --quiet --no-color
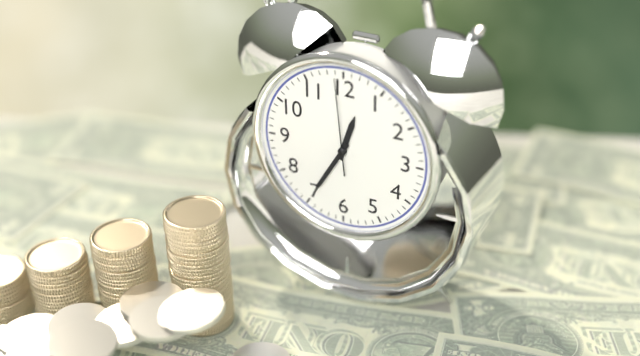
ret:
12:35:59
